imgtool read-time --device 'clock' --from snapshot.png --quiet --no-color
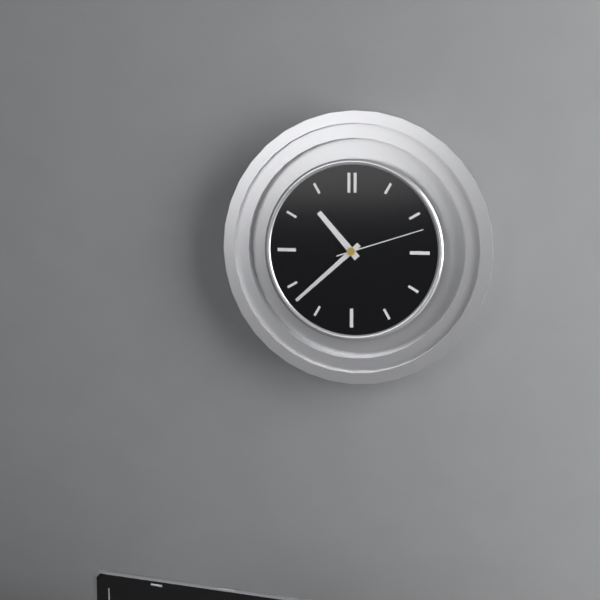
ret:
10:38:12
